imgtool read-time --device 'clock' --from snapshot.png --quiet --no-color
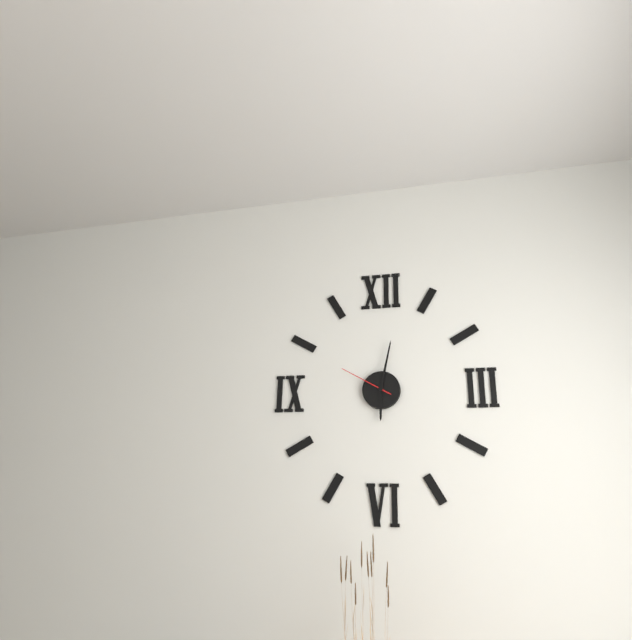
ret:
6:02:50
